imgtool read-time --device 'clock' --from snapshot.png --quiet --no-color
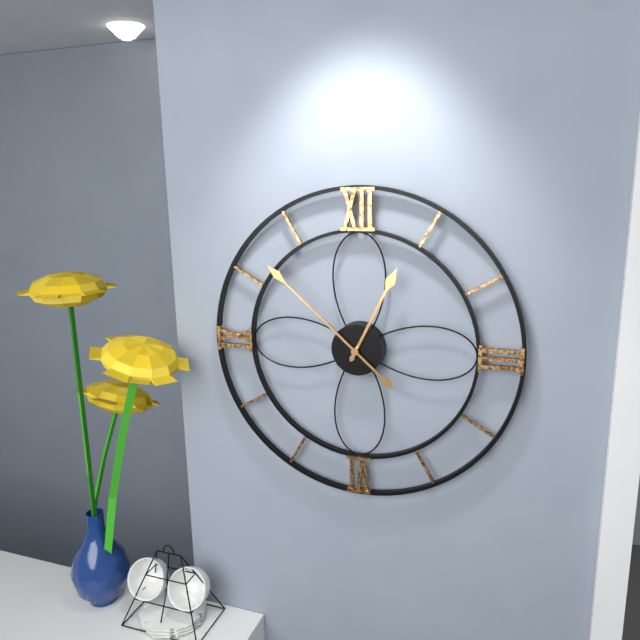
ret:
12:52
